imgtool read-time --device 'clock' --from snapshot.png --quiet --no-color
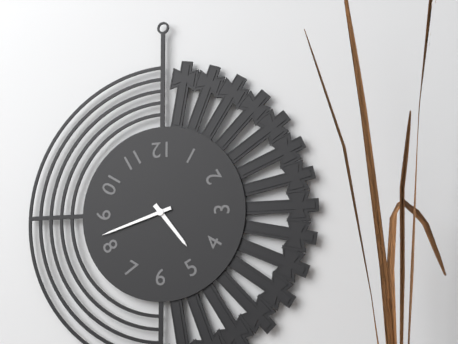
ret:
4:42
